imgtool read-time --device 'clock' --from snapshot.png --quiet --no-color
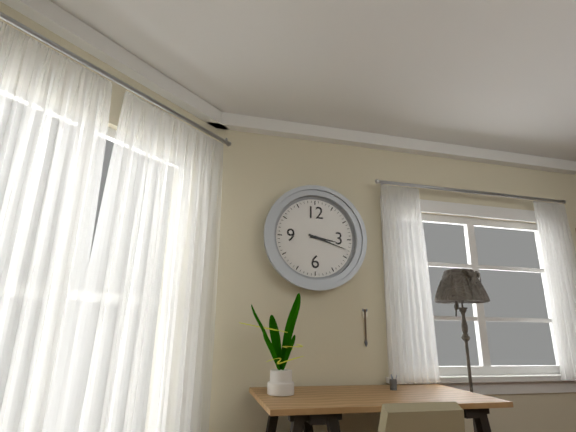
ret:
3:18
